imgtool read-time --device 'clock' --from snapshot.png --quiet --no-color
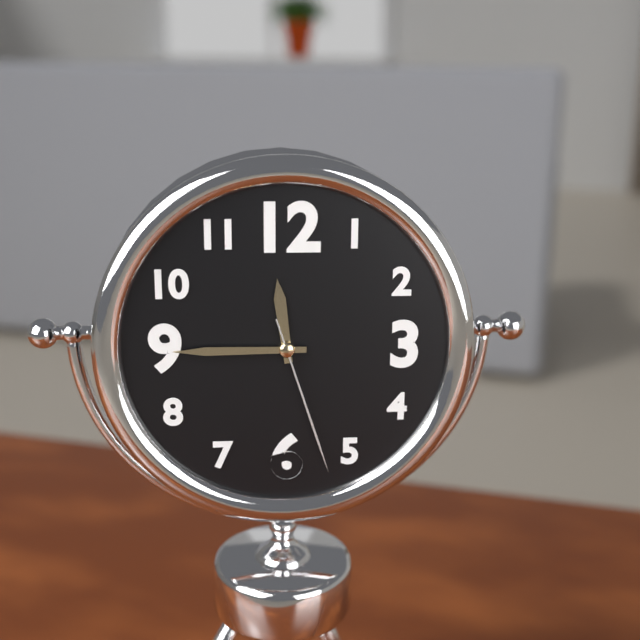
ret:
11:45:27
